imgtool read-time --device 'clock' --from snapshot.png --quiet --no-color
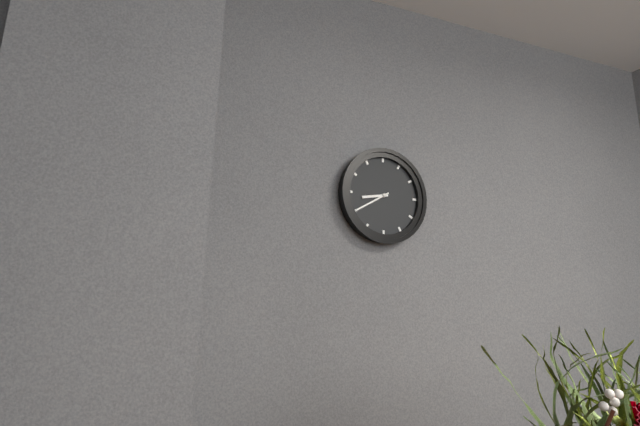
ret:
8:40
